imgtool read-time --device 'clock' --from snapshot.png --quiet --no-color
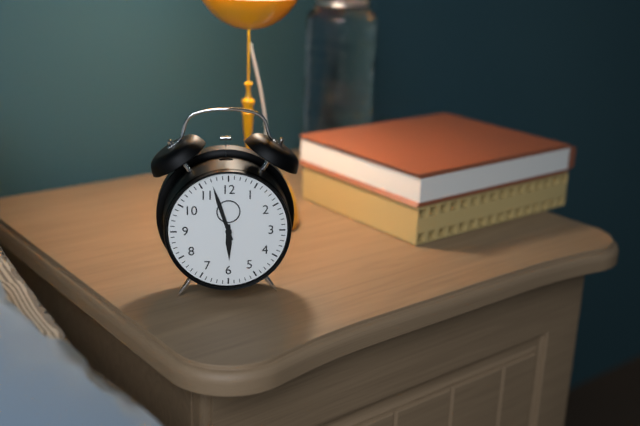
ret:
5:57
